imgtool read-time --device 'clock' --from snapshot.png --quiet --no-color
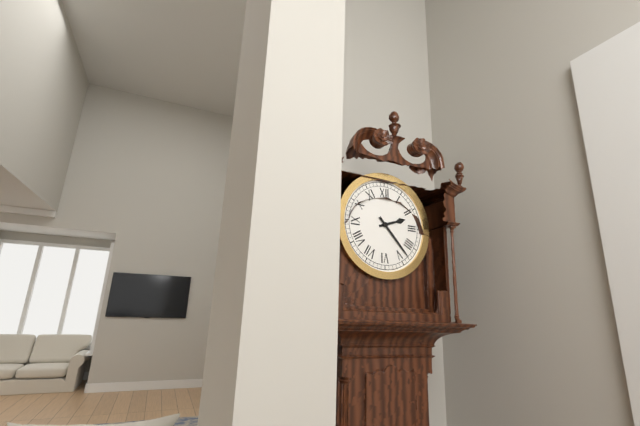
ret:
2:23
